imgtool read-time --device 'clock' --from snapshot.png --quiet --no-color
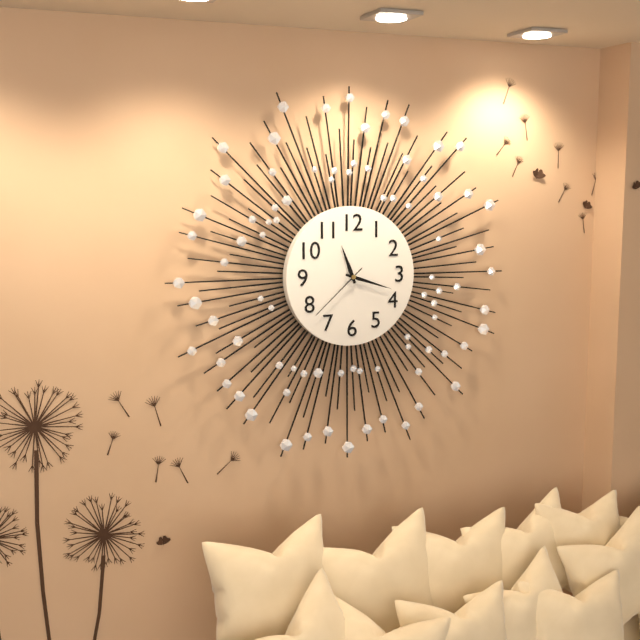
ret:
11:18:38
